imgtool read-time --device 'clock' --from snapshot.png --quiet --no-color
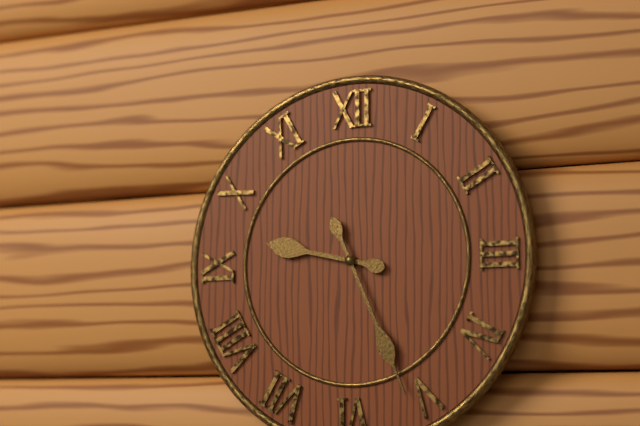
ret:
9:26
